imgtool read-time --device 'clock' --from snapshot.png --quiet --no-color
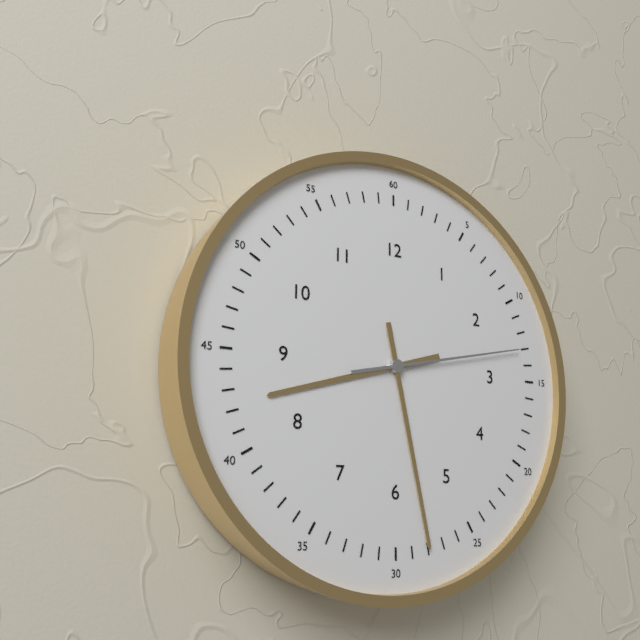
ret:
8:28:13
